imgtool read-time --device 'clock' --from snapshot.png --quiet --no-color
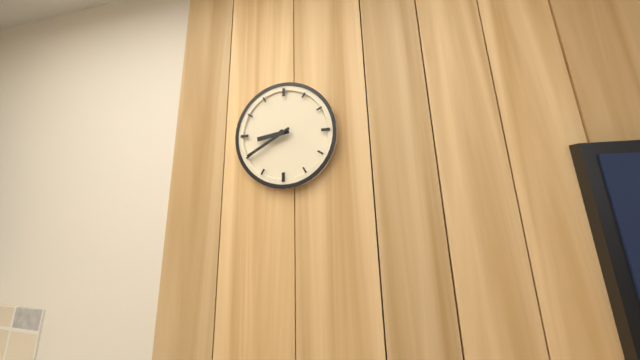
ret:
8:40
